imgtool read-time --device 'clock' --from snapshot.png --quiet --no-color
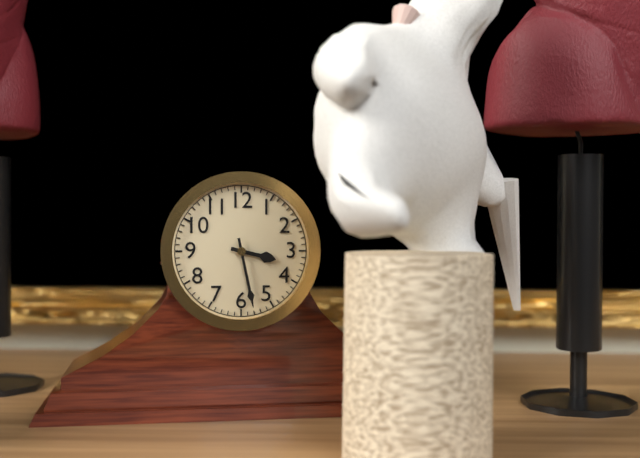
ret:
3:28
